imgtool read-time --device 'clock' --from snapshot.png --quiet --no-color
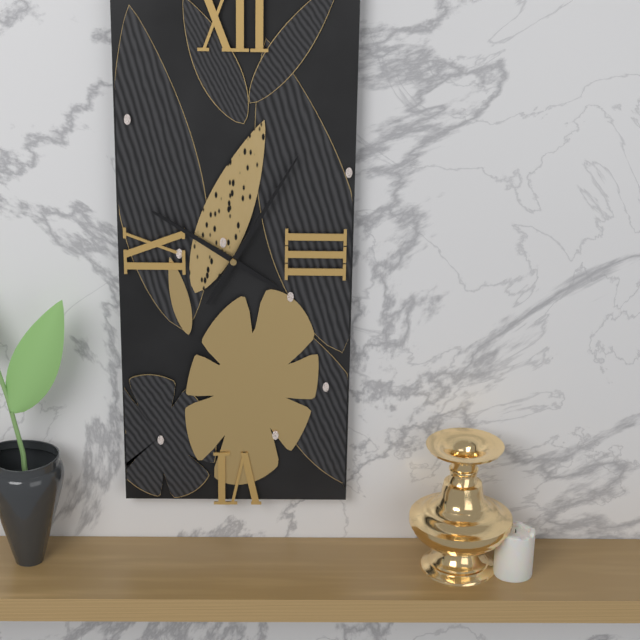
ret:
10:05
